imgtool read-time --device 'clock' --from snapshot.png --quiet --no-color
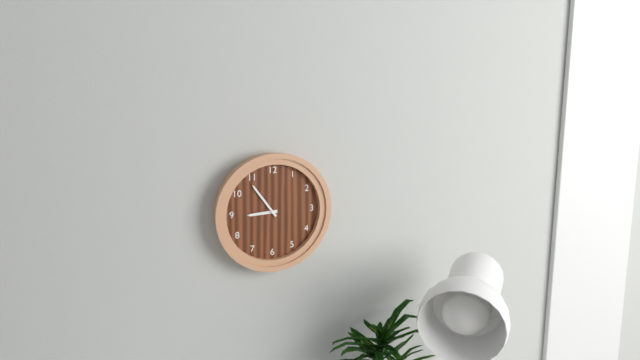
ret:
8:54
